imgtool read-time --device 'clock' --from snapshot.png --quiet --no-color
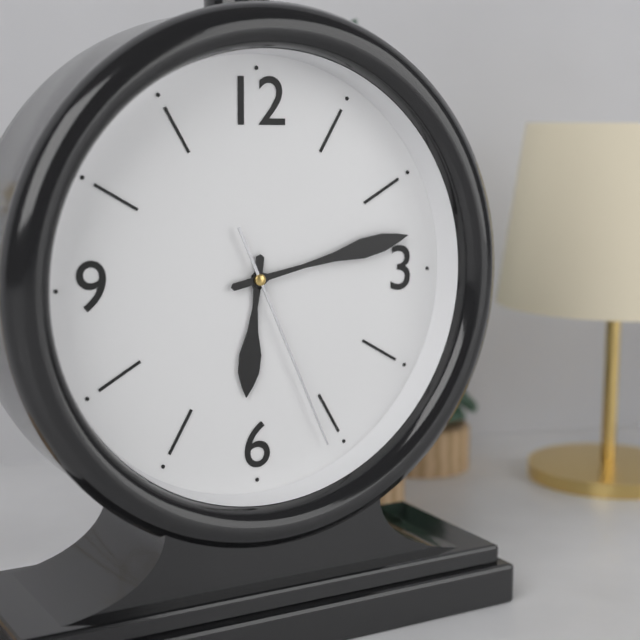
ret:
6:13:26
